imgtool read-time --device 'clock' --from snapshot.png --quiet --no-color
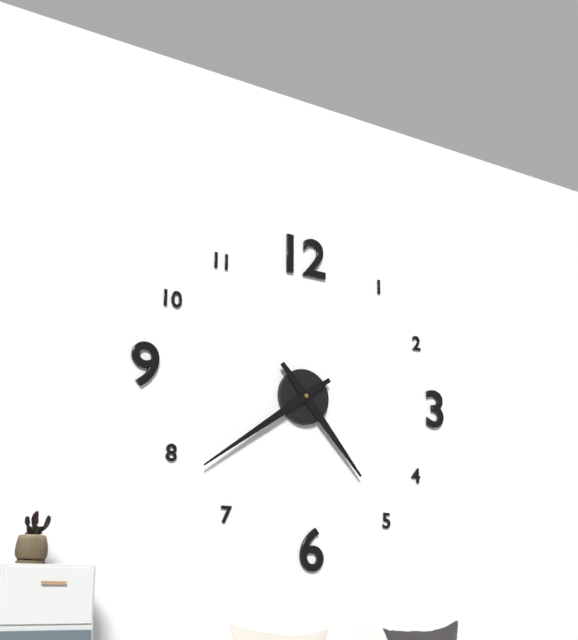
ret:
4:39
